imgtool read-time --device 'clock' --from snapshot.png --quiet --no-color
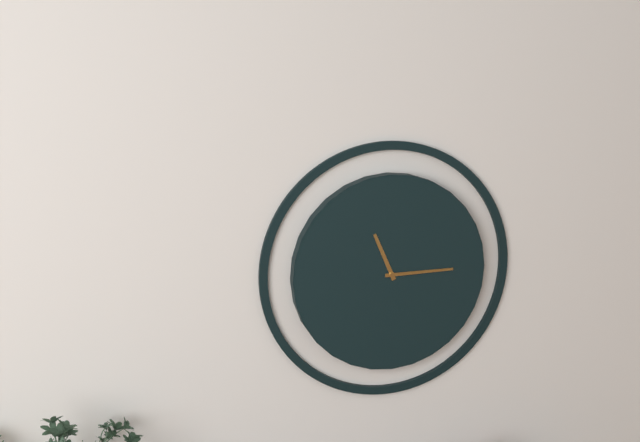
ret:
11:15
